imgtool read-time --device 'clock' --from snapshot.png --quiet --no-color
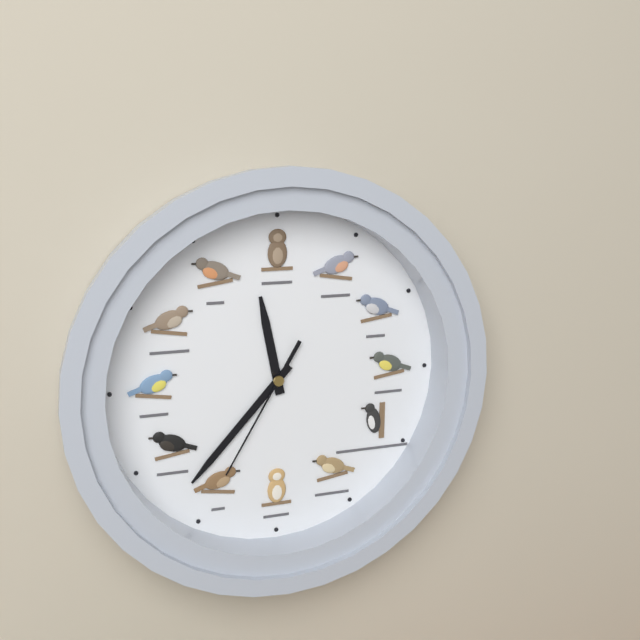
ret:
11:37:35
